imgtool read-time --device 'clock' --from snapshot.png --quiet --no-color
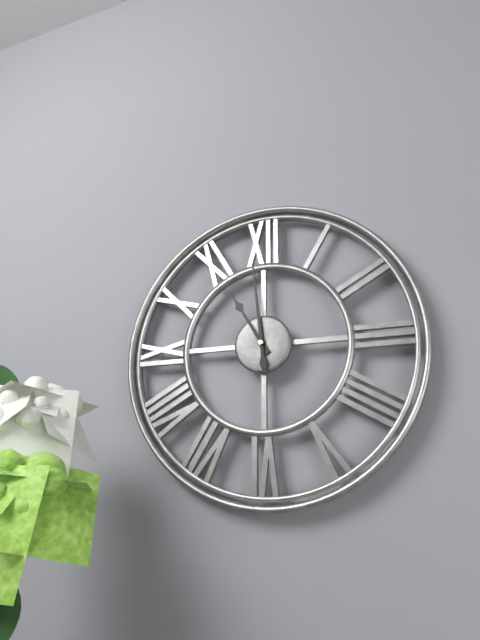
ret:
10:59
